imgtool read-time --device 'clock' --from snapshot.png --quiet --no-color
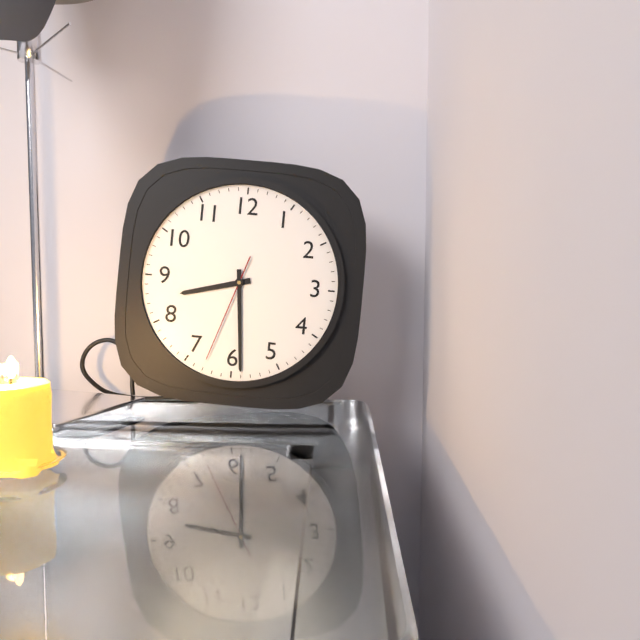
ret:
8:29:33
